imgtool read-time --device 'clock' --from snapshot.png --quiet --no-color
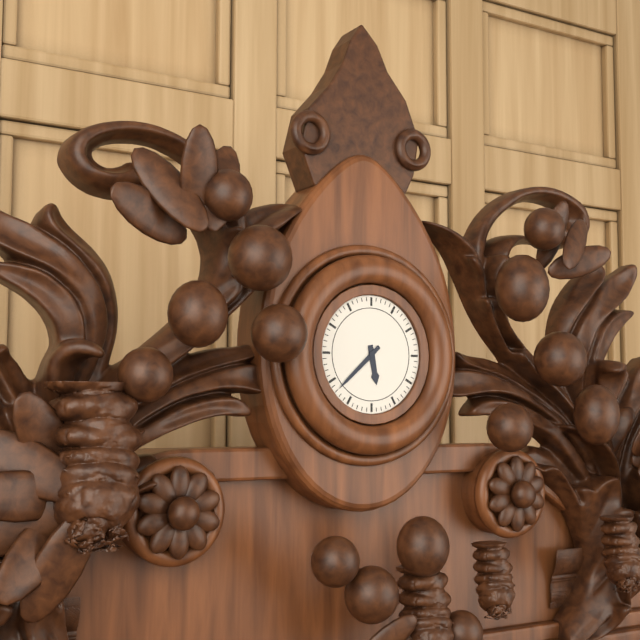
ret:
5:38
